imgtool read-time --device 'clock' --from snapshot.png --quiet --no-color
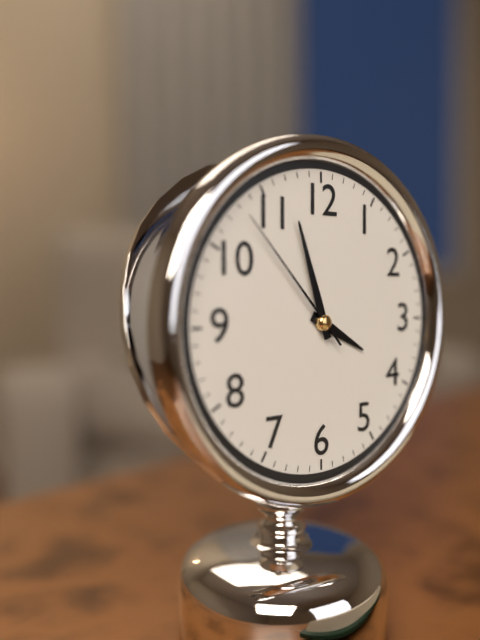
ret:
3:57:53
